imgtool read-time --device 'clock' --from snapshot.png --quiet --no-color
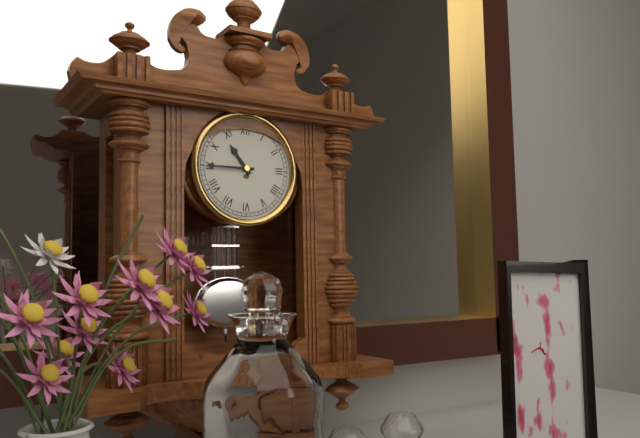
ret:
10:45
